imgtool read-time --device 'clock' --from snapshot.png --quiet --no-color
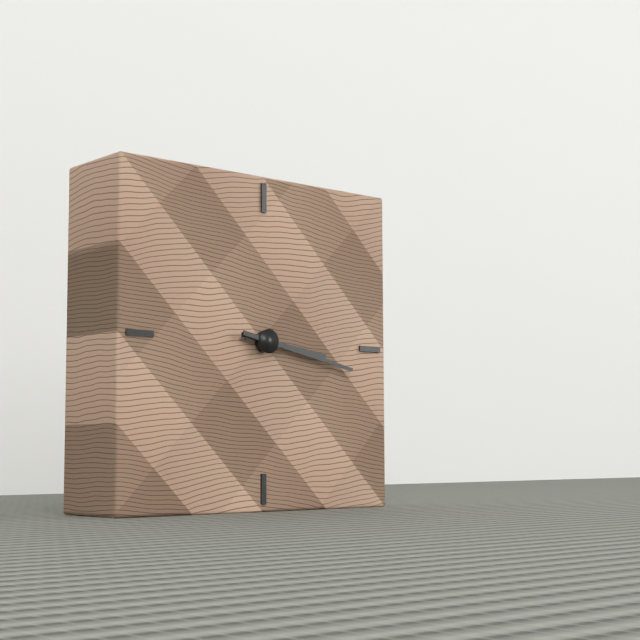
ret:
3:17
